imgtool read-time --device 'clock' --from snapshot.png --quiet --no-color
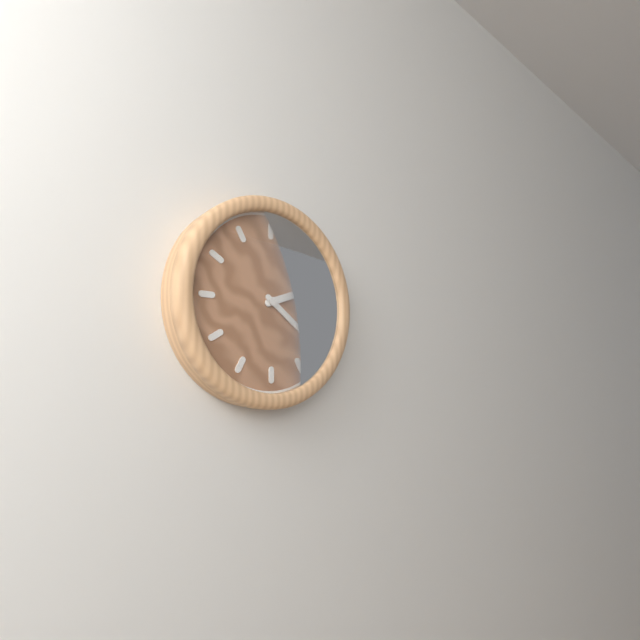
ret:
2:21
